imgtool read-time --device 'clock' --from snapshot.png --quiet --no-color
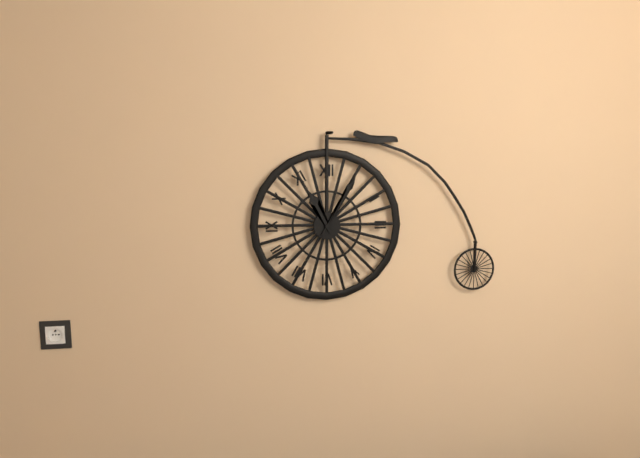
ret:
11:05
